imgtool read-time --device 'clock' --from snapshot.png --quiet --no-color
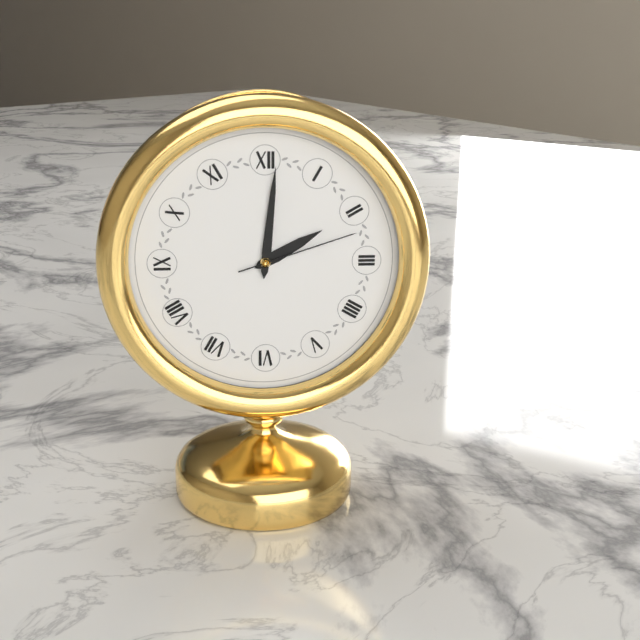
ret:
2:01:12
